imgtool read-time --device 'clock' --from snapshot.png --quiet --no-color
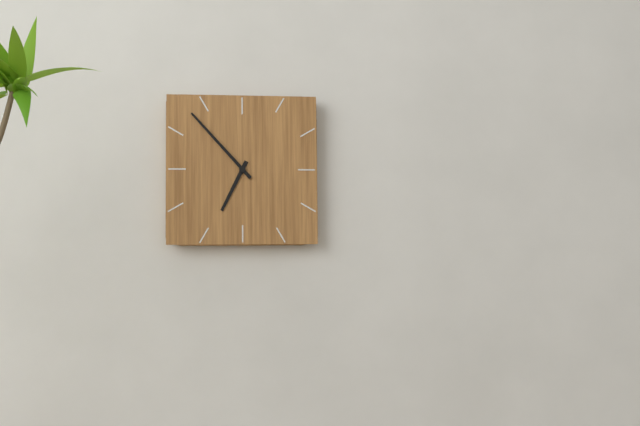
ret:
6:53
